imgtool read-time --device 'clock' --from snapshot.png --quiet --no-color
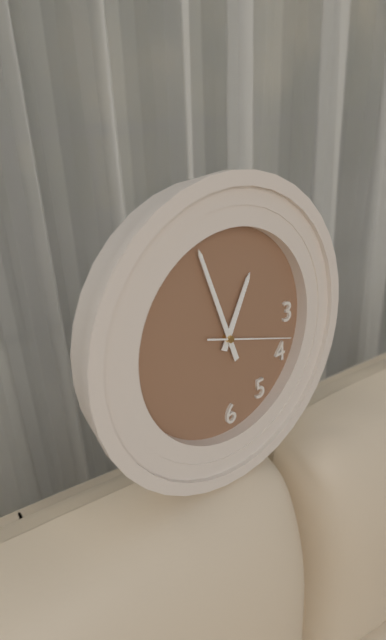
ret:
12:57:18
